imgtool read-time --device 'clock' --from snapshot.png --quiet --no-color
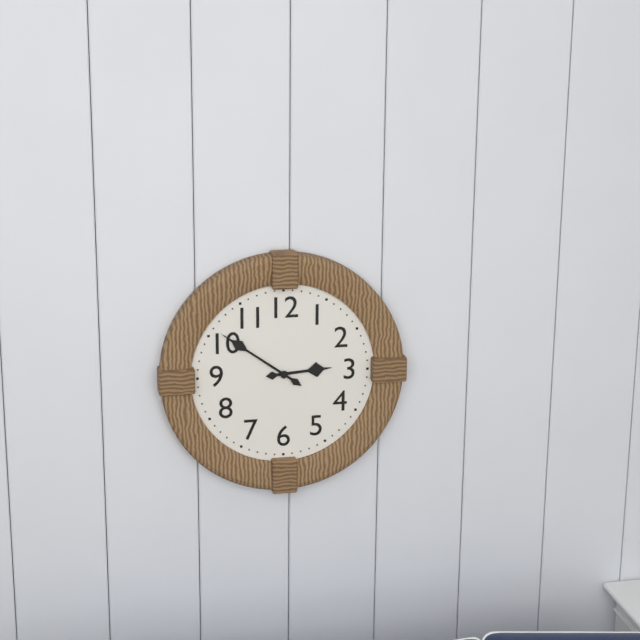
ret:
2:51
